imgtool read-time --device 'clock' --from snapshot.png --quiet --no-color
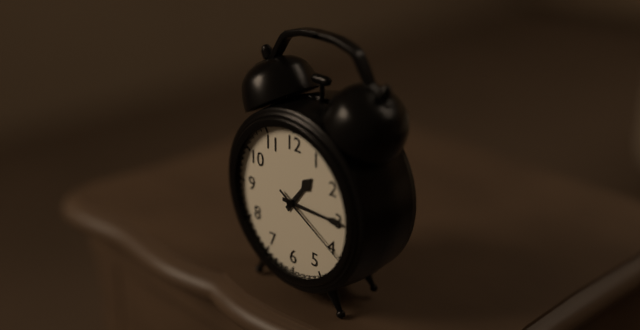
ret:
1:15:20
